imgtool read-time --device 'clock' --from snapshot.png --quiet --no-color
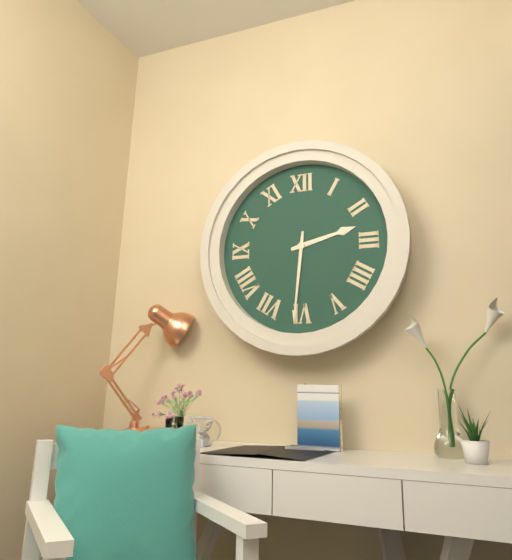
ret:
2:31
